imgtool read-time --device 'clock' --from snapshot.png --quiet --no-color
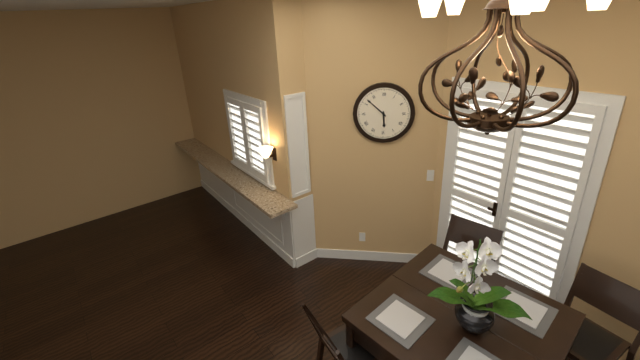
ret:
5:52
